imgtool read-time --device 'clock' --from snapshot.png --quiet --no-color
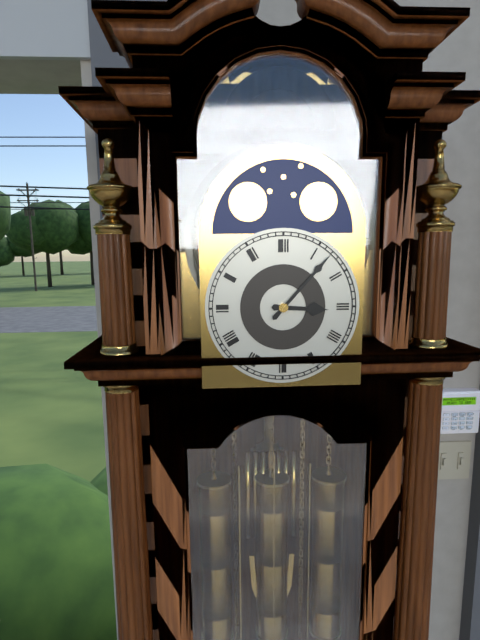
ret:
3:07
